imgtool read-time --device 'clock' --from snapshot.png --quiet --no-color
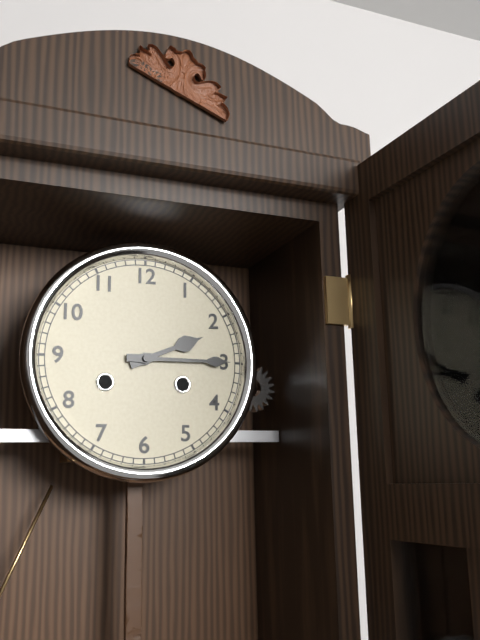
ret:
2:15
